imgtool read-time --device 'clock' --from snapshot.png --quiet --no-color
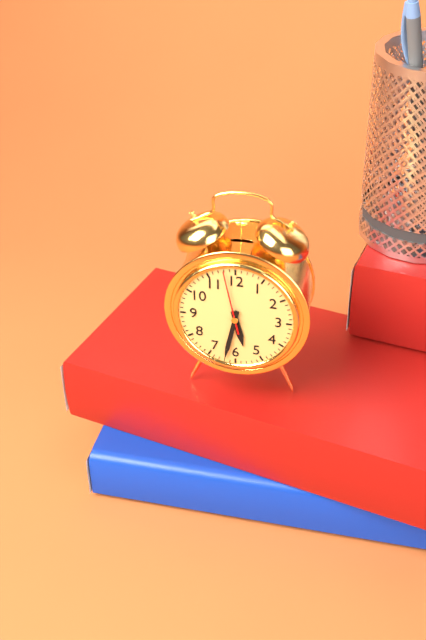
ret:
5:32:58
